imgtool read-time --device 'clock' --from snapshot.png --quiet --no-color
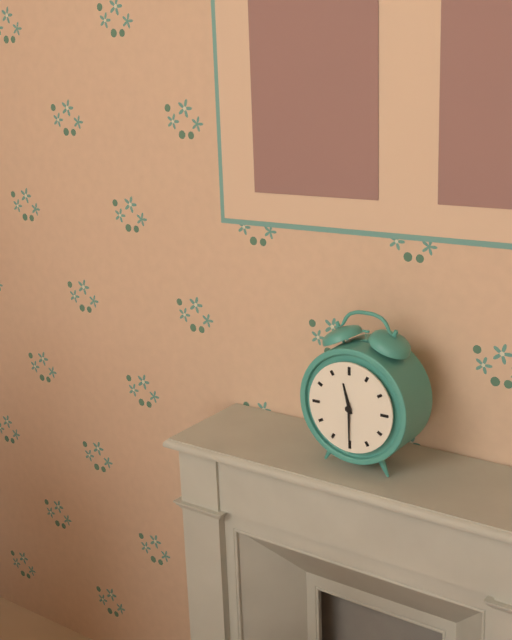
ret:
11:30
